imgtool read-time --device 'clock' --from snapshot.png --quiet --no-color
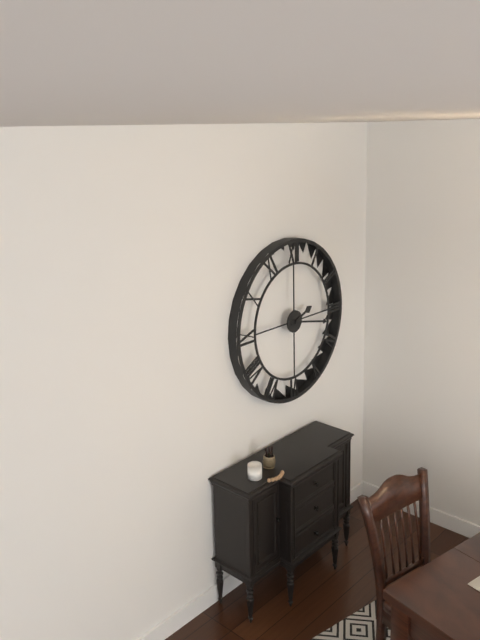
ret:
2:17
